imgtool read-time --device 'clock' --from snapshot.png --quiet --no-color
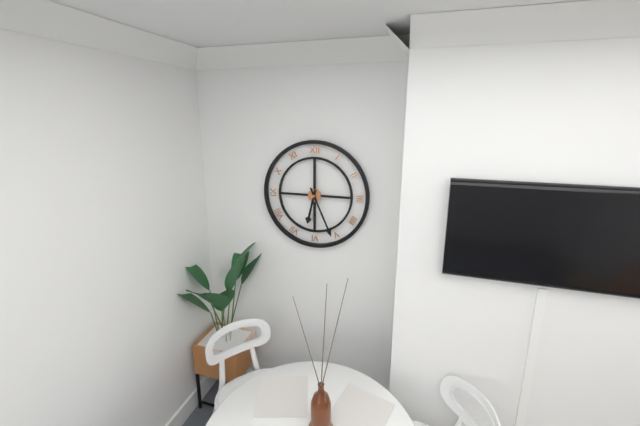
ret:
6:26
